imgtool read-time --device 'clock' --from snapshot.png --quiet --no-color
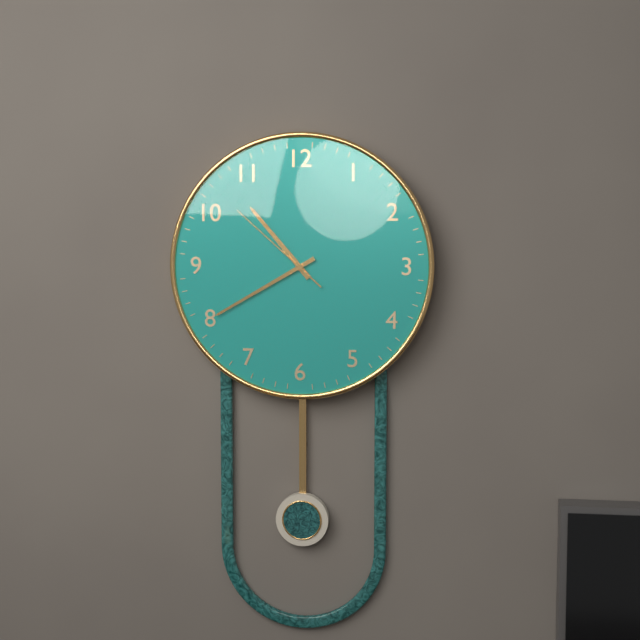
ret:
10:40:52
